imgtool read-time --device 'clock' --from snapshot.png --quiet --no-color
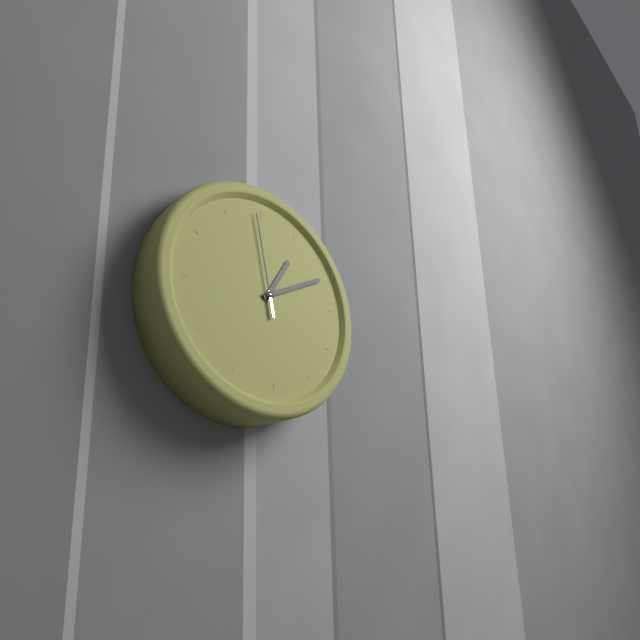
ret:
1:11:59
